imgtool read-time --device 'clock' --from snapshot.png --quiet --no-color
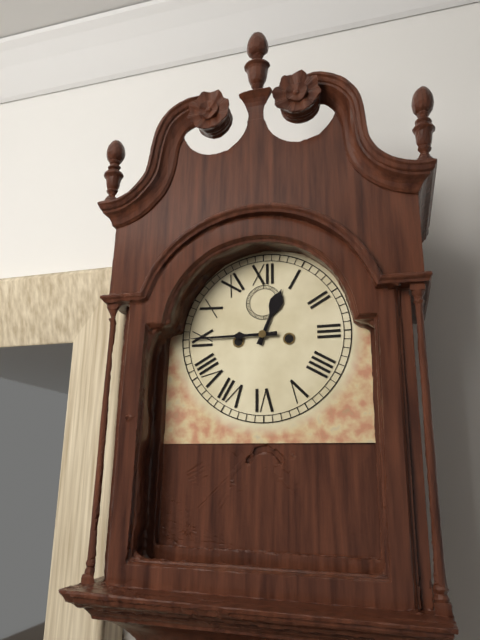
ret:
12:45
